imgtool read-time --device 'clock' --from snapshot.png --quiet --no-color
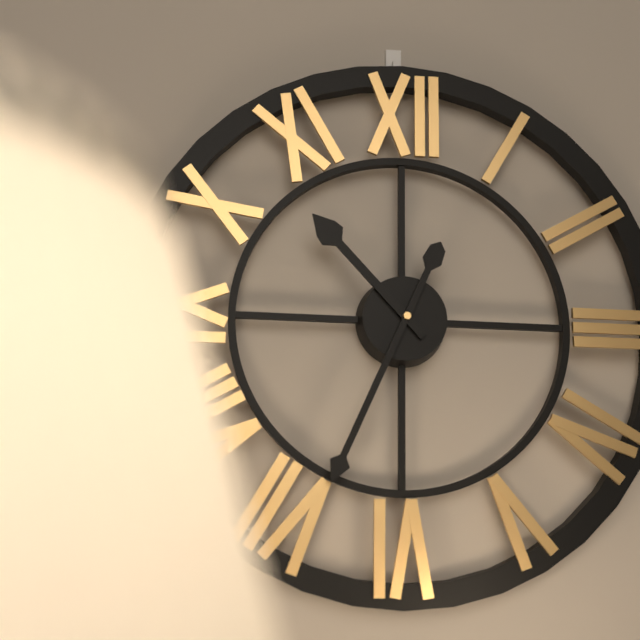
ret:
10:34
